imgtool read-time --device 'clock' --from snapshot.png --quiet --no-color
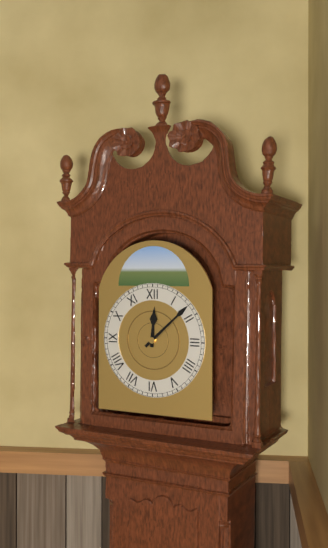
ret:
12:08
